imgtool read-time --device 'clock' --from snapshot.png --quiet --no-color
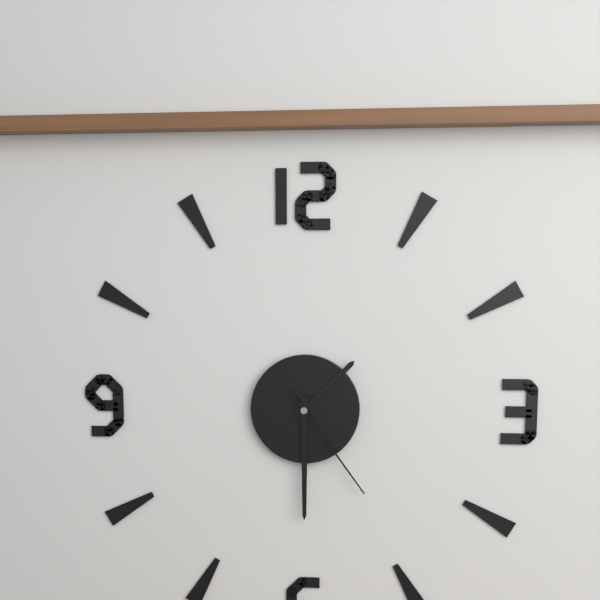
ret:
1:30:24
